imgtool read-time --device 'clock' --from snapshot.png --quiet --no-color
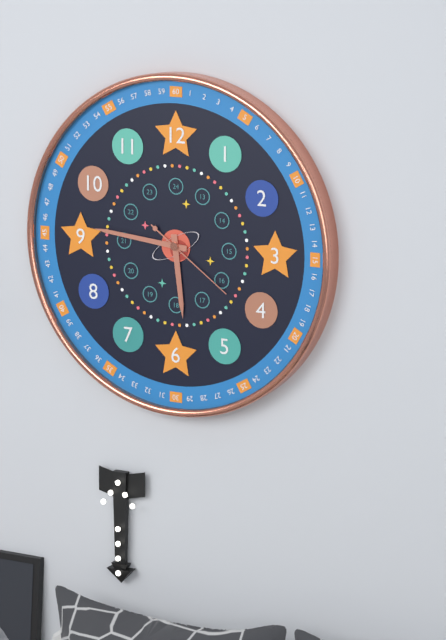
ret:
5:46:21
